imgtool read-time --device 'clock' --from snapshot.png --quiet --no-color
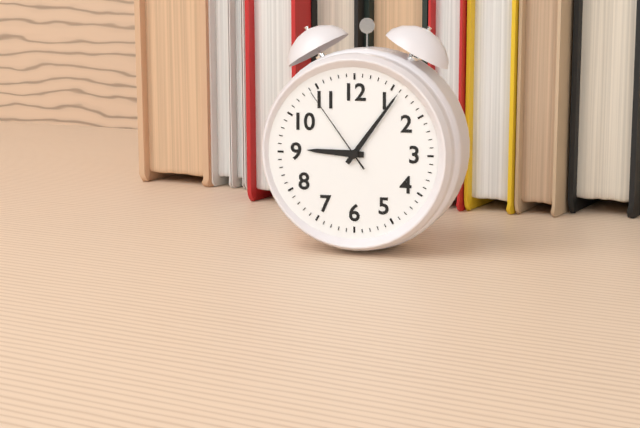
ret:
9:06:54
